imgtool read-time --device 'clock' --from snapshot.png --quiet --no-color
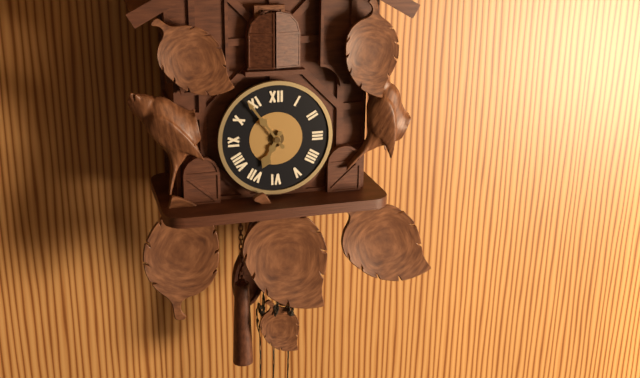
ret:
6:54
